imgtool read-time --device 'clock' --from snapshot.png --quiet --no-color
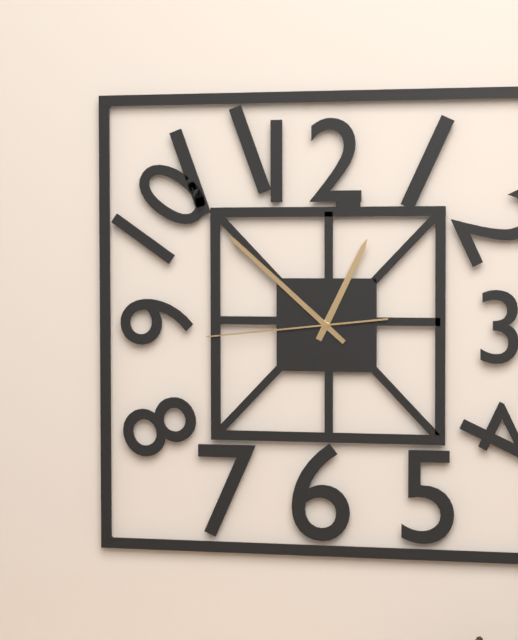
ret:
12:52:44
